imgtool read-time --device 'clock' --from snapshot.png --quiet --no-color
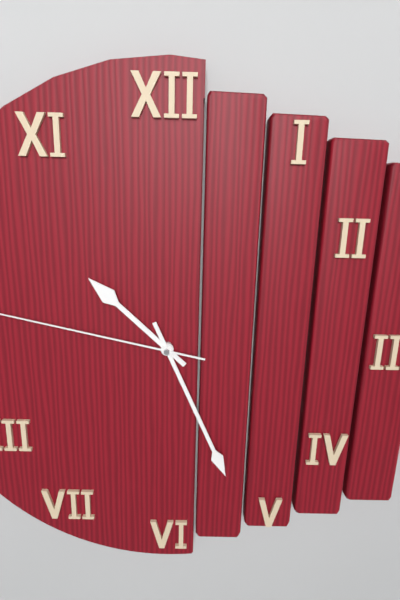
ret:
10:26
